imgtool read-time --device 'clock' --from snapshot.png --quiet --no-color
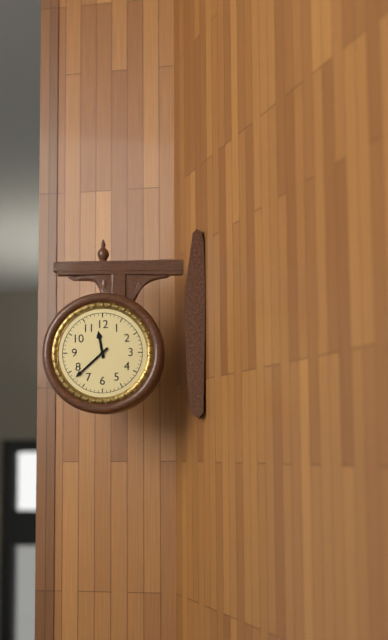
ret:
11:38
